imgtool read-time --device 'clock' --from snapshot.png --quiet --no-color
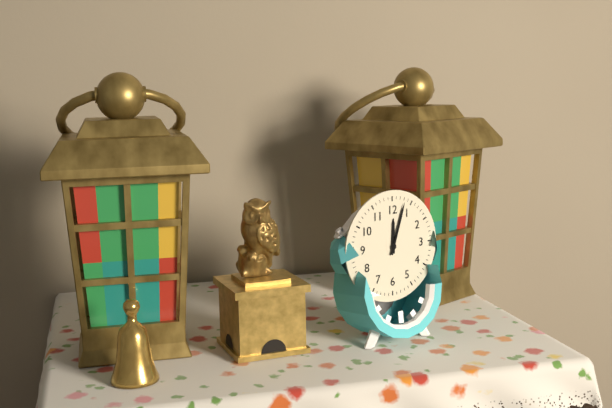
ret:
12:03
